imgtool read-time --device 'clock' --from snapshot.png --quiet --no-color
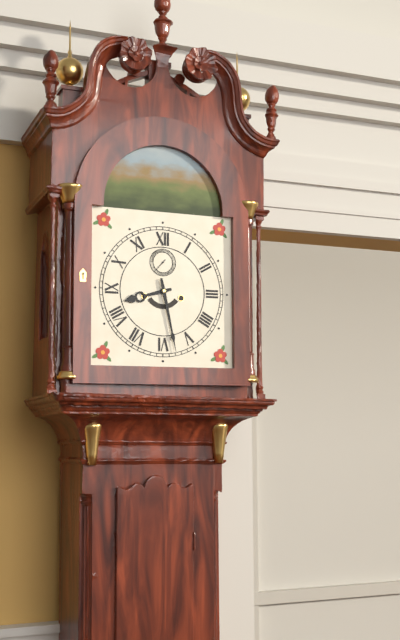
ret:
8:28
